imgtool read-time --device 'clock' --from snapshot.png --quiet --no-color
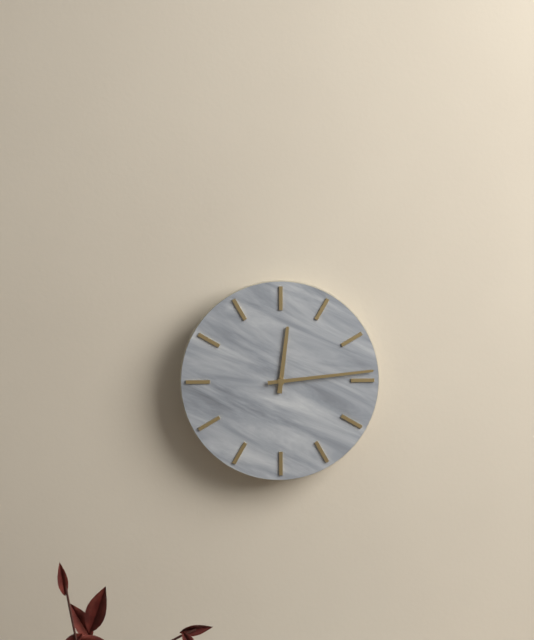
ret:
12:14
